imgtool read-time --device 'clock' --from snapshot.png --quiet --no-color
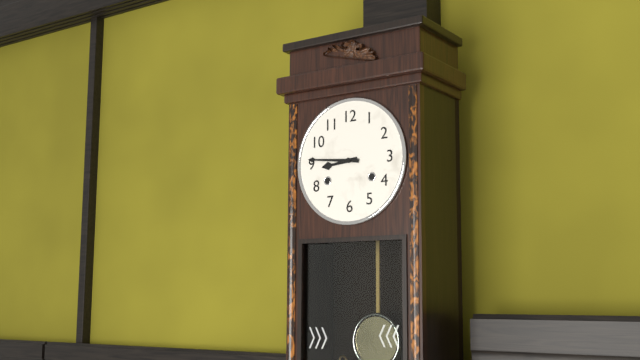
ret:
8:46
